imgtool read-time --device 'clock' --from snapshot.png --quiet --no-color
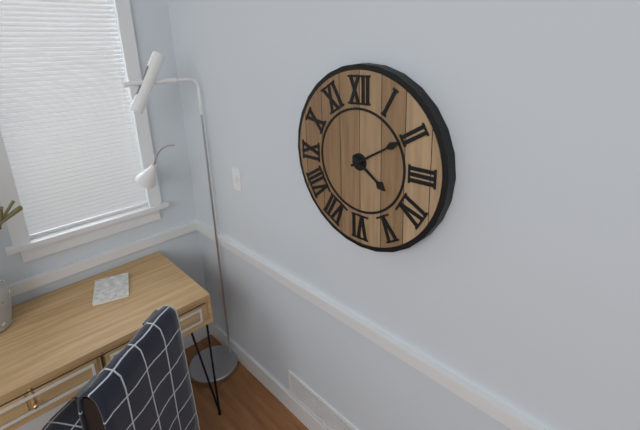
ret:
4:10
